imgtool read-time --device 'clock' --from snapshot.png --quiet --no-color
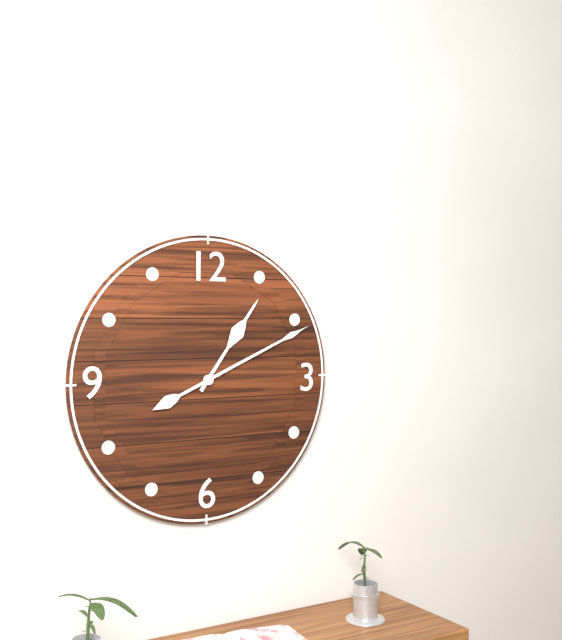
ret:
1:11
